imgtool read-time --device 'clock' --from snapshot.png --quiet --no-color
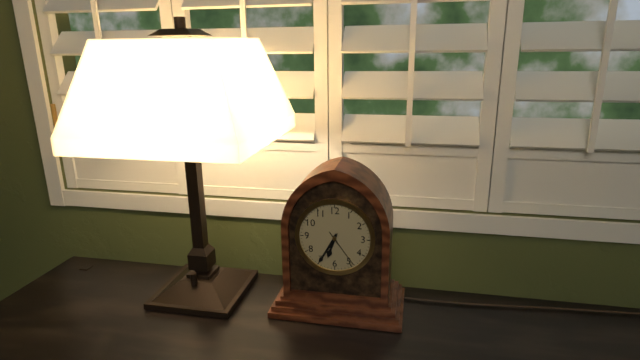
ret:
6:35
